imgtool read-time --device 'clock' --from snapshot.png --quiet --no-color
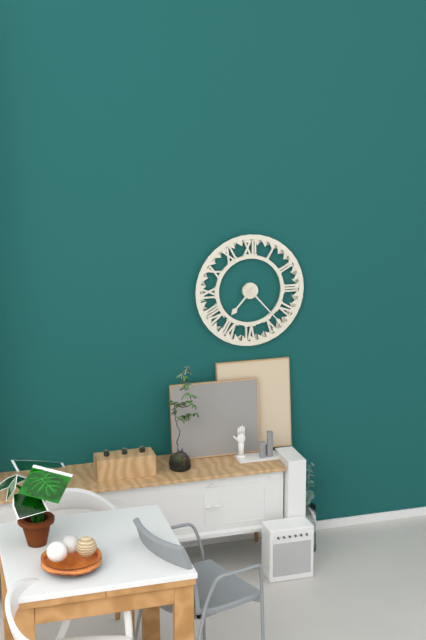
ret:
7:23
